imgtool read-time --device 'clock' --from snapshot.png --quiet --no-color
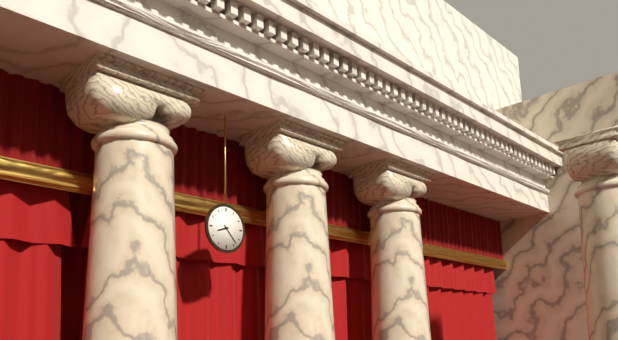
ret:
8:23
